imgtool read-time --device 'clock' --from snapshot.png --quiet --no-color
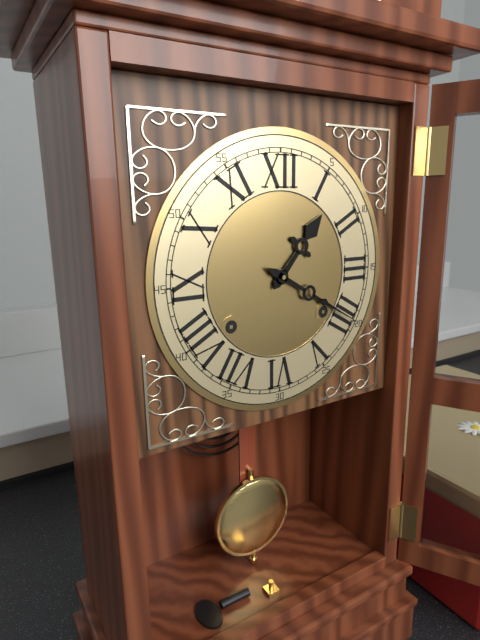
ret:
1:20
